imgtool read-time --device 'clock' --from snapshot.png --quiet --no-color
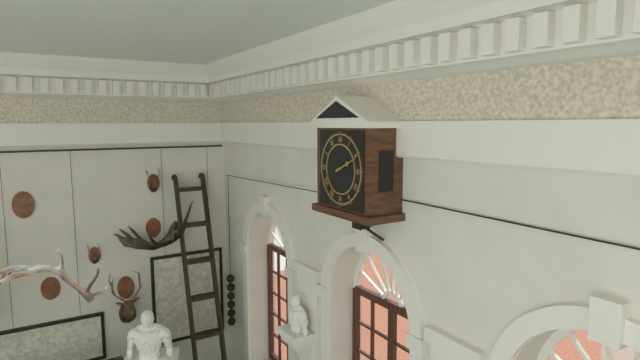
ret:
2:11
